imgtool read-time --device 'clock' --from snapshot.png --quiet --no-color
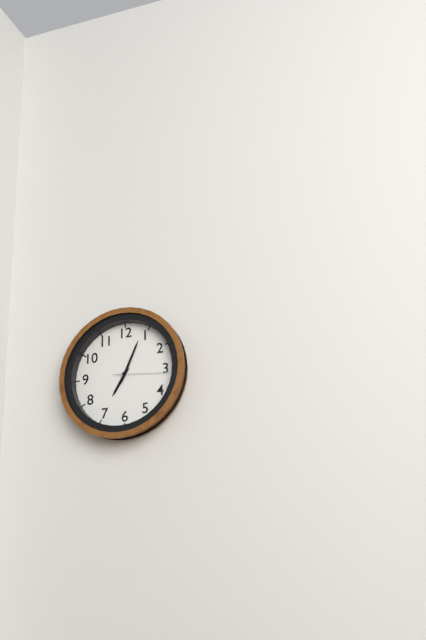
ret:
7:04:16
